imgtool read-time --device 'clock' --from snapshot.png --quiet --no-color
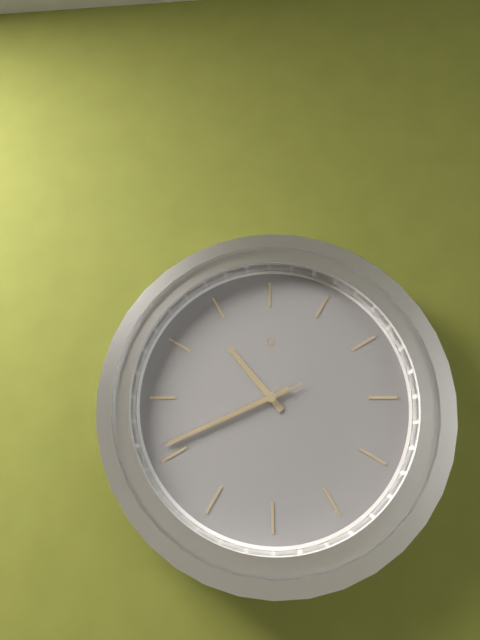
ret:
10:41:41
